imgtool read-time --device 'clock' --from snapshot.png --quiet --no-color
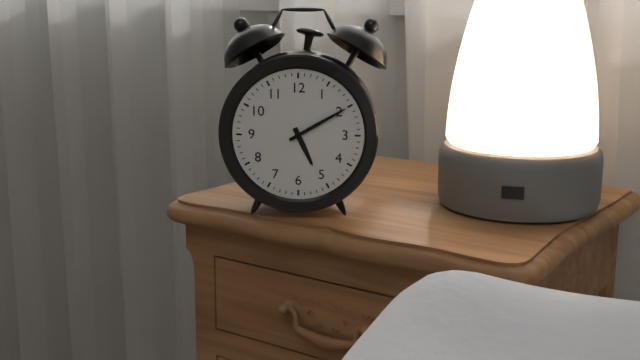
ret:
5:10
